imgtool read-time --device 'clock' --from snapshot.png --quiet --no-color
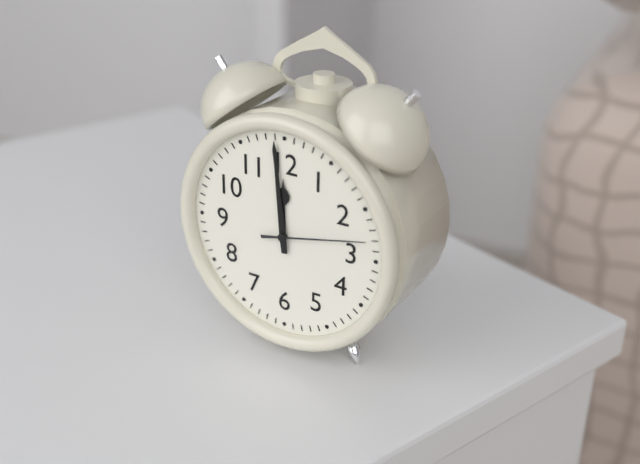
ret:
11:59:13
